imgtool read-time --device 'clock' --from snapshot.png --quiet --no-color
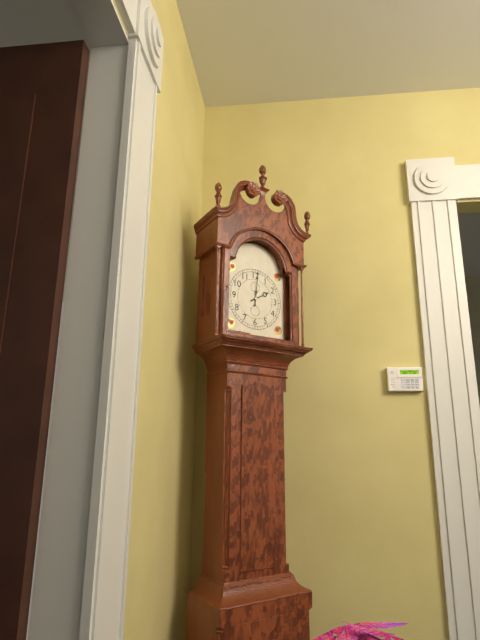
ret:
2:01
